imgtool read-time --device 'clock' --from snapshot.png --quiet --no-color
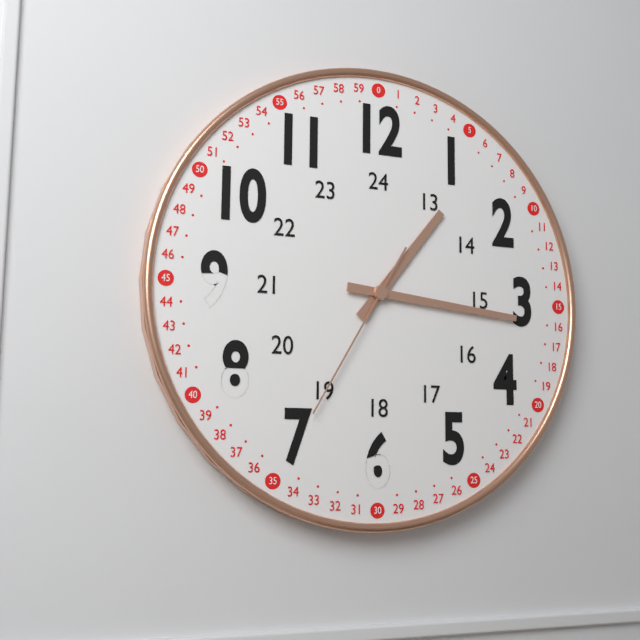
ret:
1:16:35
